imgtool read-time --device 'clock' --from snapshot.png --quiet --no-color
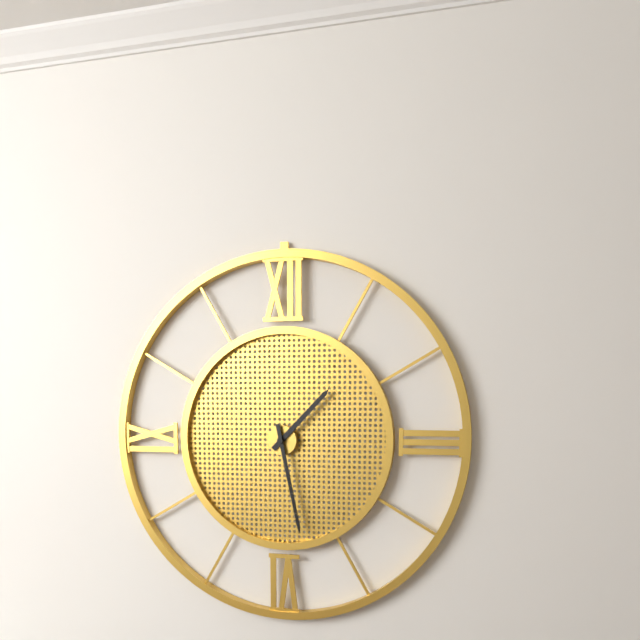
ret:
1:28
